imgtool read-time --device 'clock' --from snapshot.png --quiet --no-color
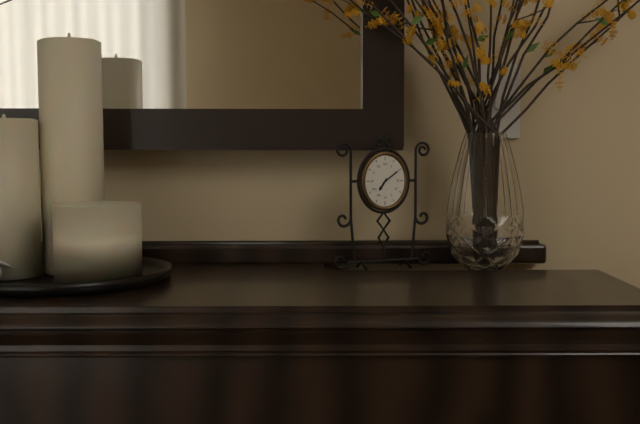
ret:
7:09
